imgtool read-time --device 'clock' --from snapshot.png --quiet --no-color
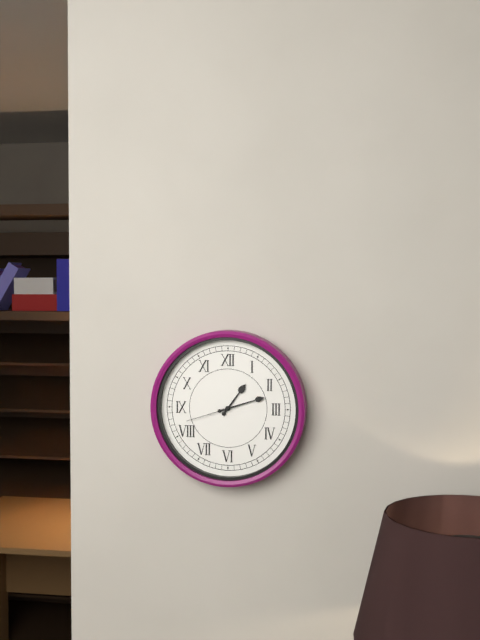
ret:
1:12:42
